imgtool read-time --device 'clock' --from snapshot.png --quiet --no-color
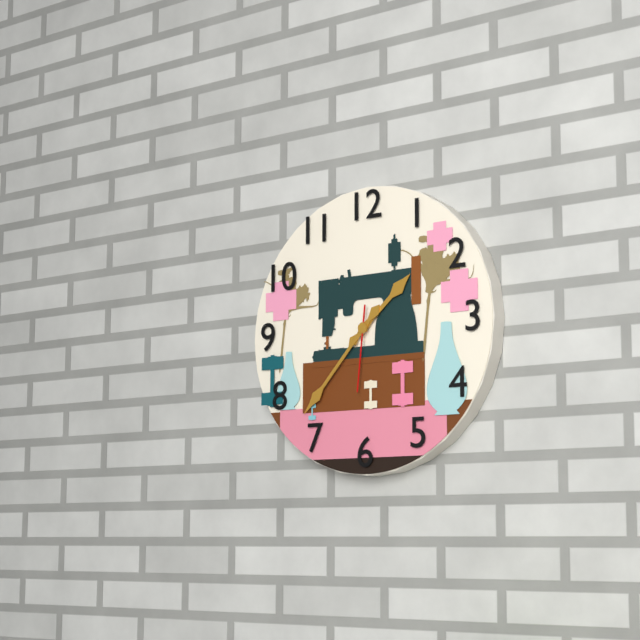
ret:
1:37:31
